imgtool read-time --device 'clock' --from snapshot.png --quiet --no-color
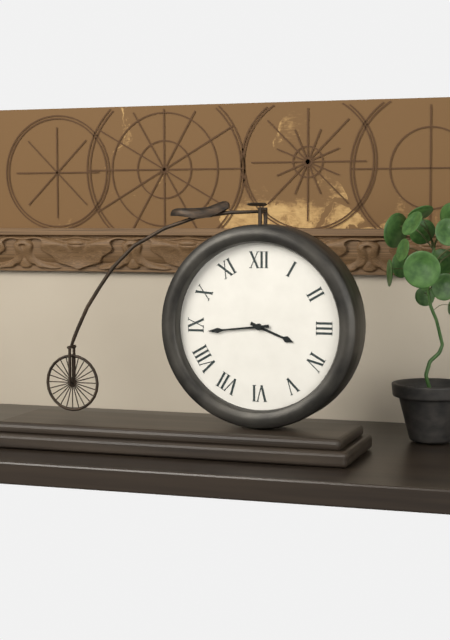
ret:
3:44
